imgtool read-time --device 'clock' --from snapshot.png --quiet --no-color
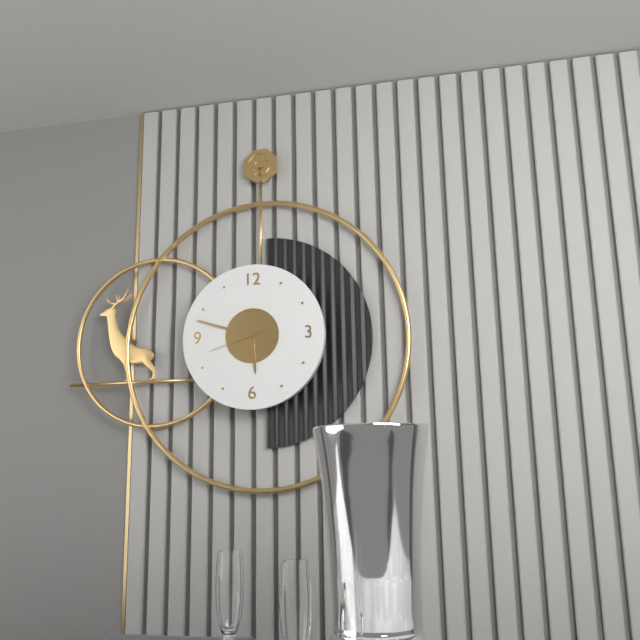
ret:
5:48:42
